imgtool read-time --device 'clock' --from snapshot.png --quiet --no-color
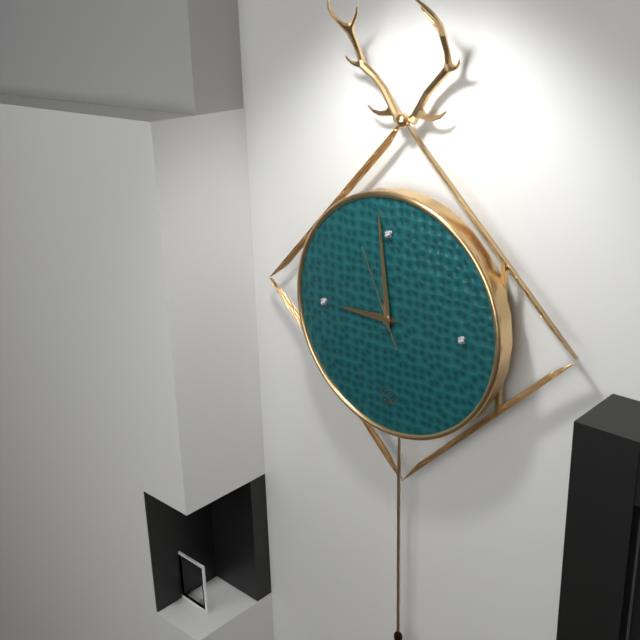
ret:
8:59:56
